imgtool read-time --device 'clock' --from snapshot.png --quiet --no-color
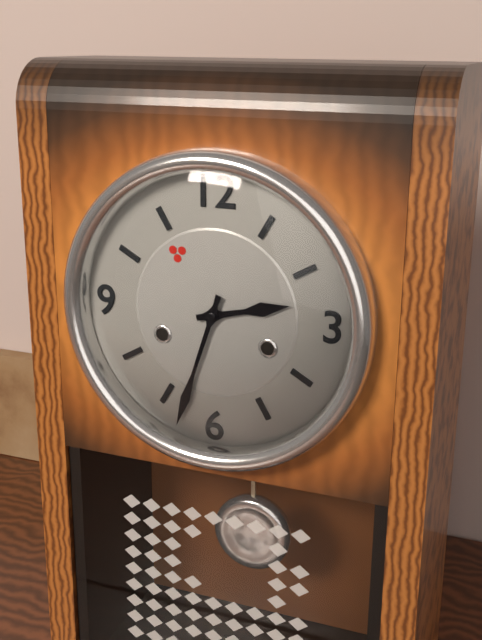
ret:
2:33
